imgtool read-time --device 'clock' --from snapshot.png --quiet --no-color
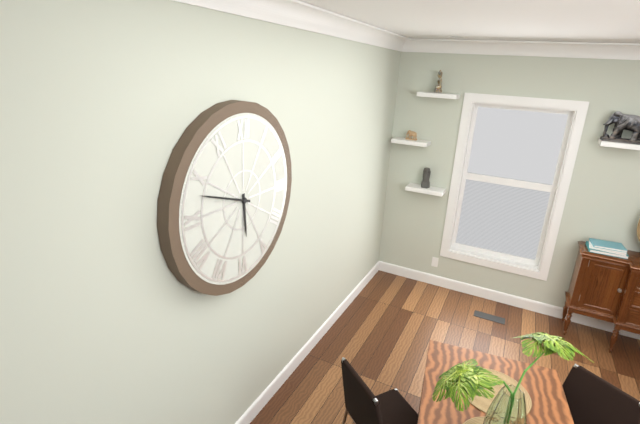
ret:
5:48
